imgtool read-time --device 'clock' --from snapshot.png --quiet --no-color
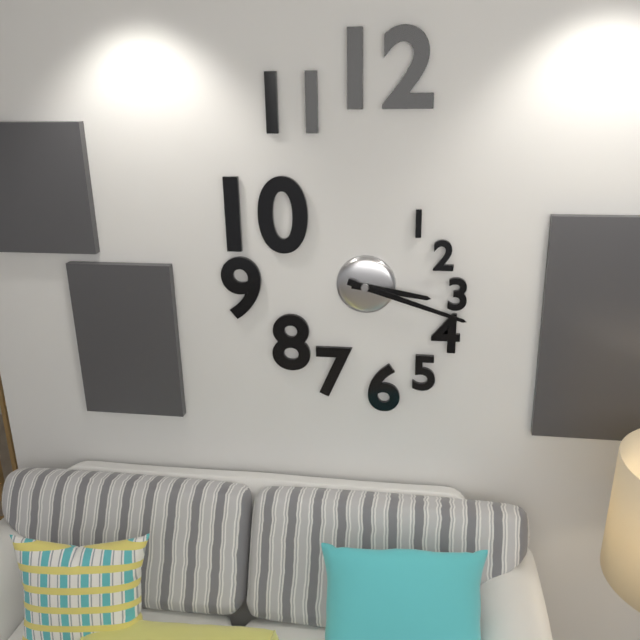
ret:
3:18
